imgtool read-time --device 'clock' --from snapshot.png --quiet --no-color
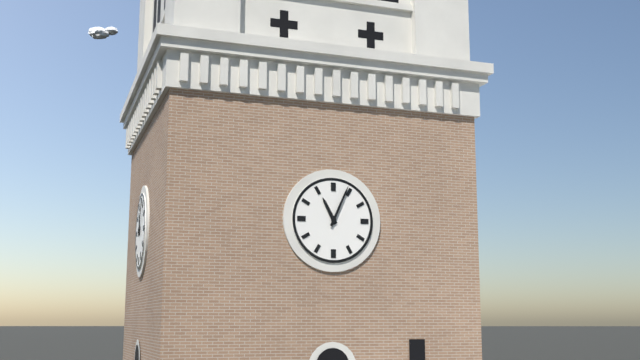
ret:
11:04
